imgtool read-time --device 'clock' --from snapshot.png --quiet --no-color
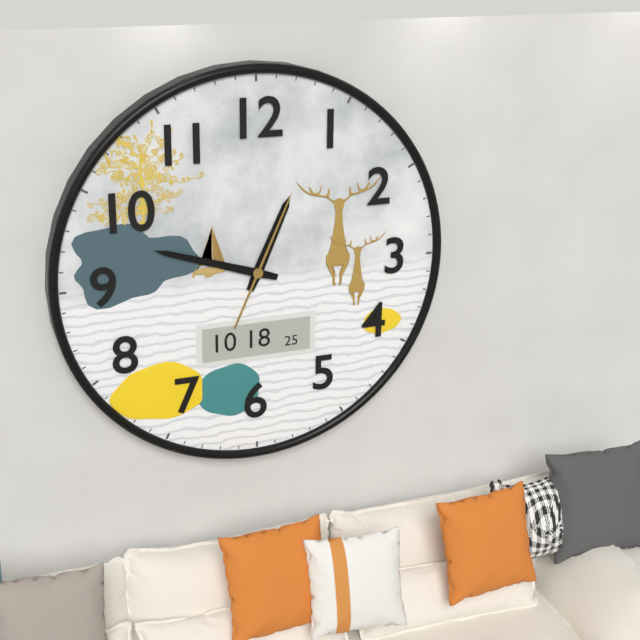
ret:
12:48:04
